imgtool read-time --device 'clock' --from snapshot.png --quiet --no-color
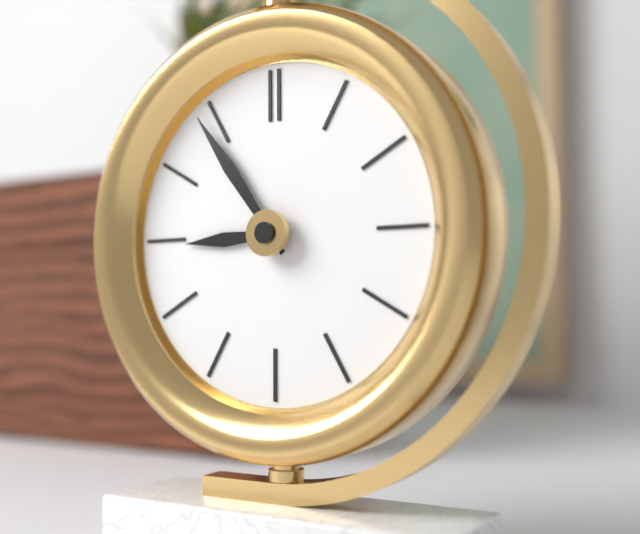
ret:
8:54
